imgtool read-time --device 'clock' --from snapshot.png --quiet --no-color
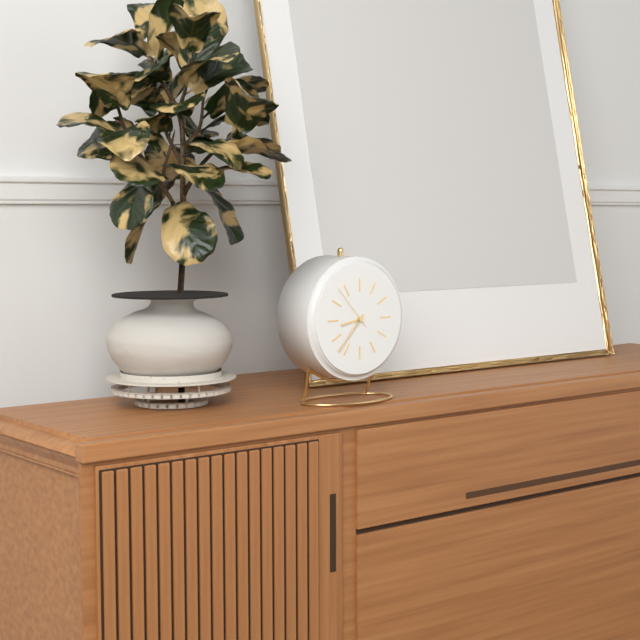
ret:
8:37
